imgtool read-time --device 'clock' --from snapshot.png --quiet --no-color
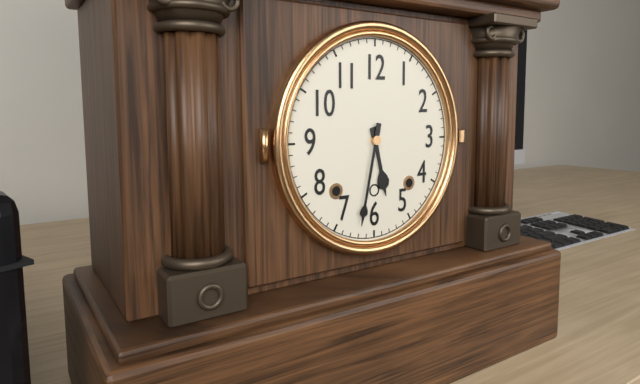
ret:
5:32
